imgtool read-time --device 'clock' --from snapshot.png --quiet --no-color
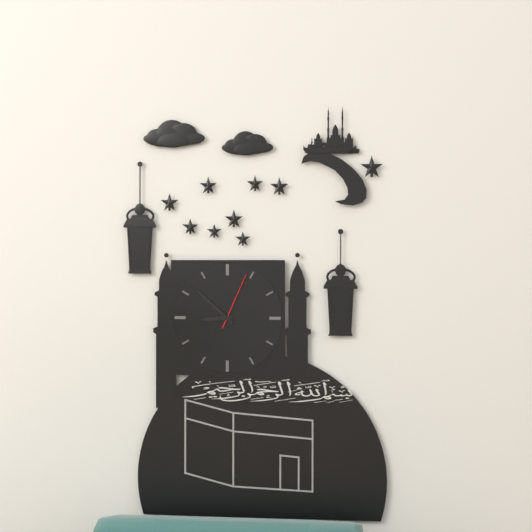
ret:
8:52:04
